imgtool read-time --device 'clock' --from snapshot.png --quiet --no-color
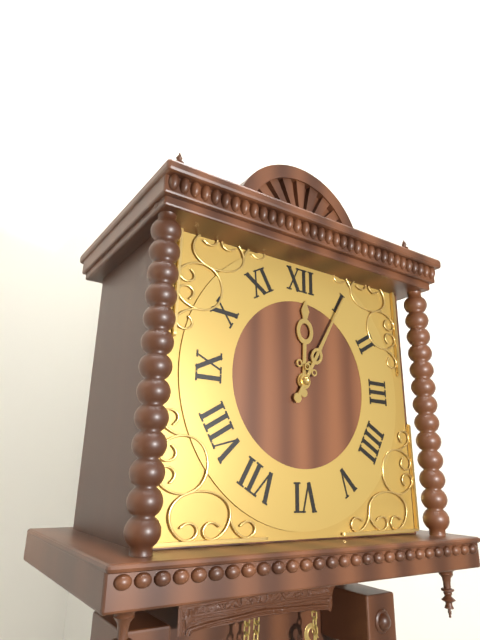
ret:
12:05
